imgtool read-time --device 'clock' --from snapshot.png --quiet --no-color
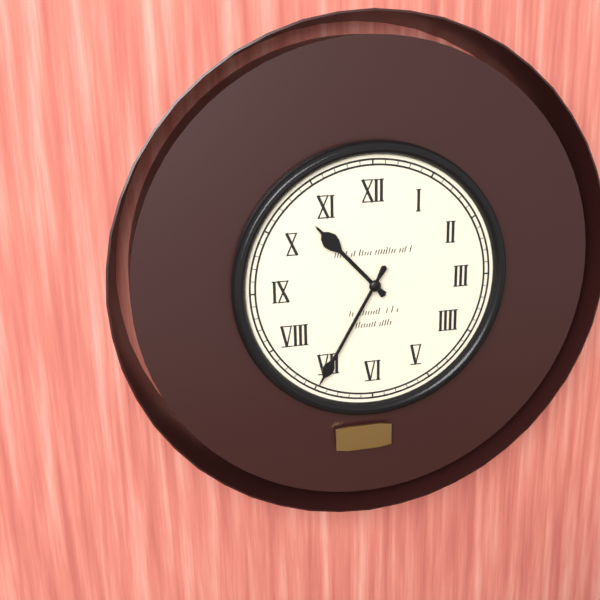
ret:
10:35
